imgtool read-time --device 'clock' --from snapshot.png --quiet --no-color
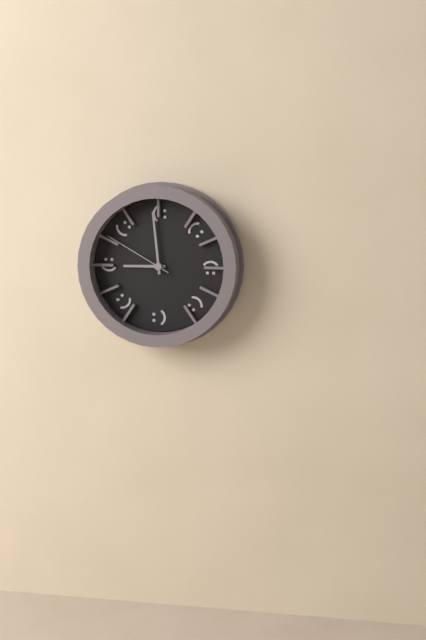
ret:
8:59:50
